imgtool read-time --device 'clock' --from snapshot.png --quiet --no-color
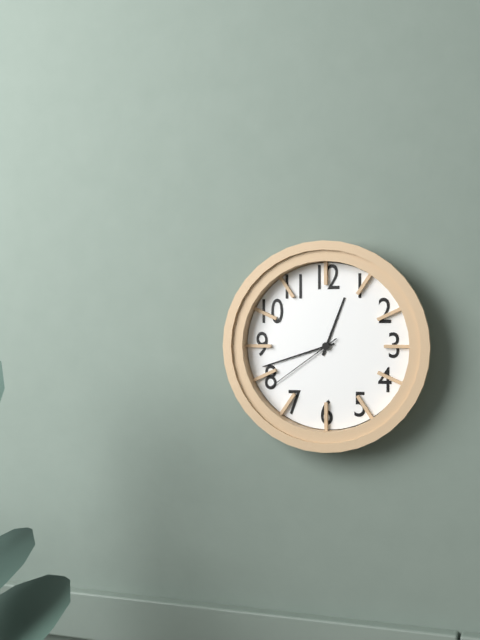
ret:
12:42:39
